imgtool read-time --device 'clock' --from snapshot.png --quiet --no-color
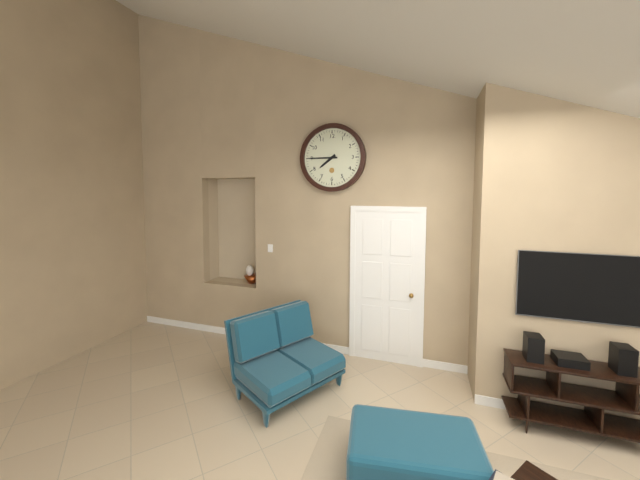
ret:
7:45
